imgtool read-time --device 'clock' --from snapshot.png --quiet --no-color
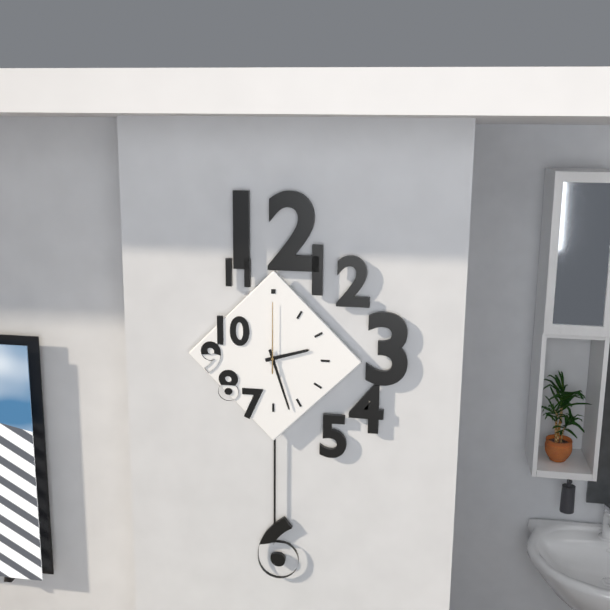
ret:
2:27:00
